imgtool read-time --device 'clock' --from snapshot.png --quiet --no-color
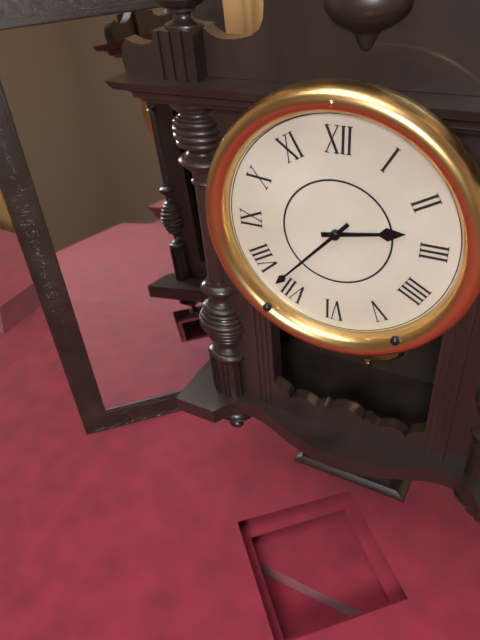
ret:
2:37
